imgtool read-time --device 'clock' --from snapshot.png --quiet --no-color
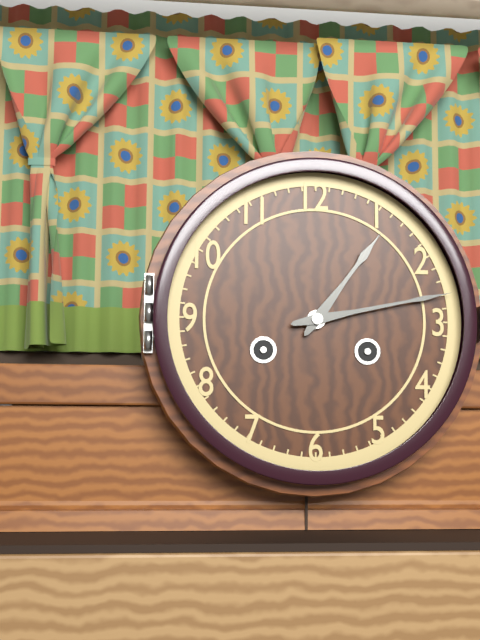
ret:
1:13
